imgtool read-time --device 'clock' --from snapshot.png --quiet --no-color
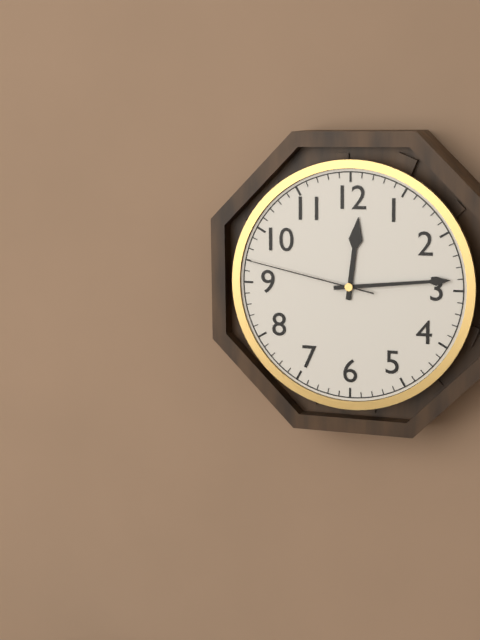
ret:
12:14:47
